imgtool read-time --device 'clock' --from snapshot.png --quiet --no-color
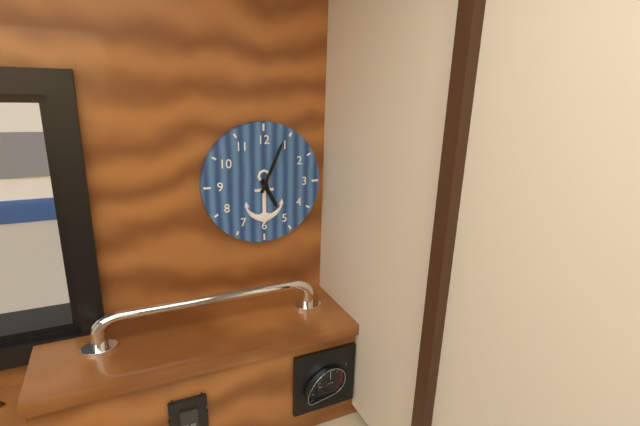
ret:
5:04
